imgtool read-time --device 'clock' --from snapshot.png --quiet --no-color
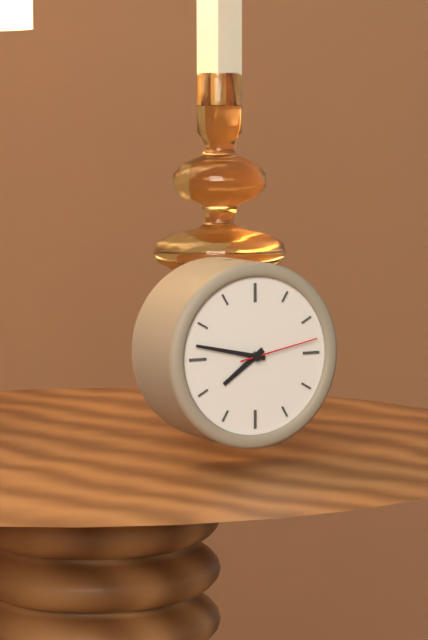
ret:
7:47:13
